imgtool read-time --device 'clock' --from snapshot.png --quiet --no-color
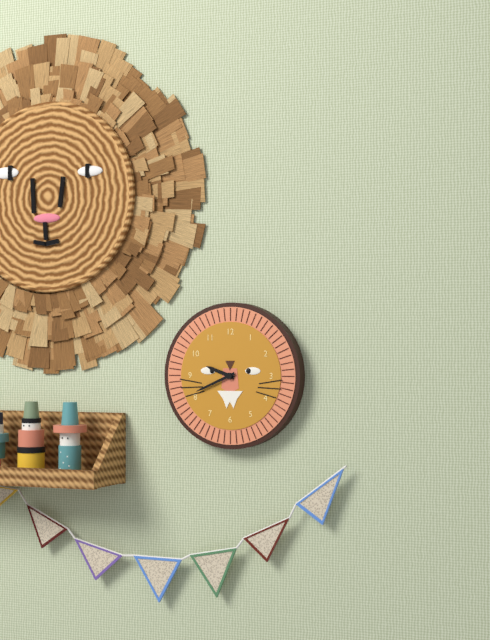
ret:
9:41
